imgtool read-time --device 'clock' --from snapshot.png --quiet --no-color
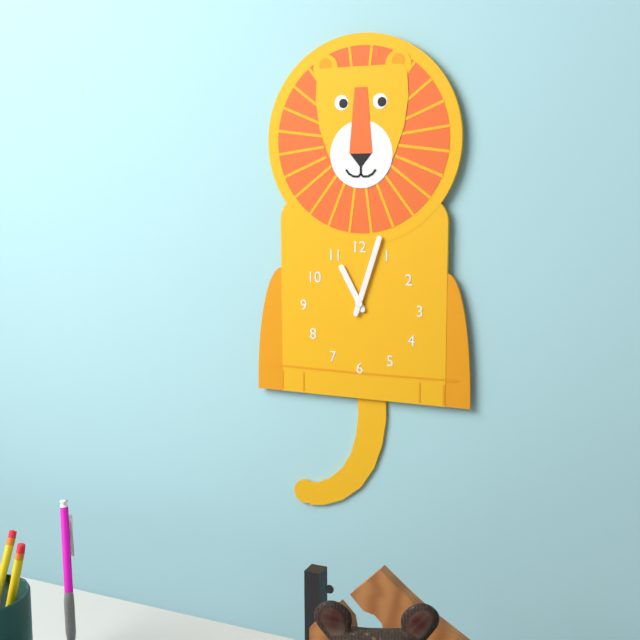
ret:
11:03
